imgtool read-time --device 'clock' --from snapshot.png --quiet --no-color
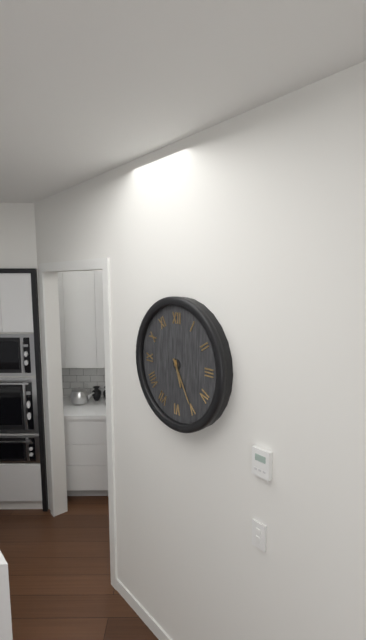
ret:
5:25
